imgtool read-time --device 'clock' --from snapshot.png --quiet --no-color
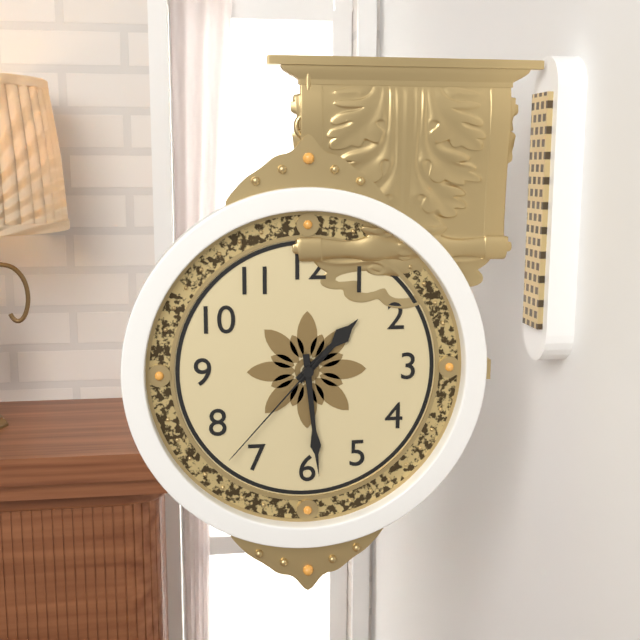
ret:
1:29:37
